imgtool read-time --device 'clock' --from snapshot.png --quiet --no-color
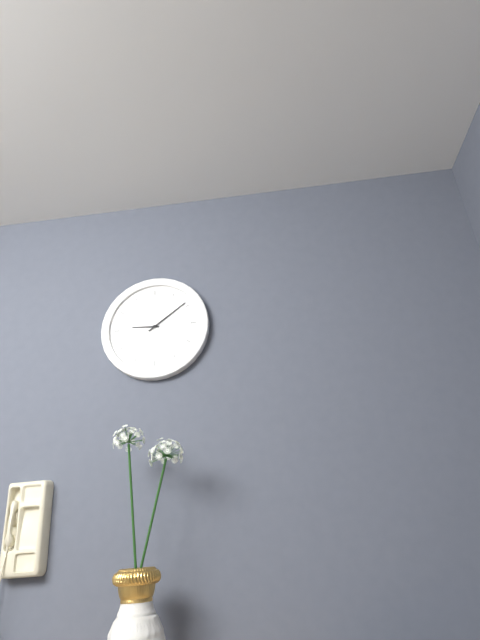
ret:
9:09
